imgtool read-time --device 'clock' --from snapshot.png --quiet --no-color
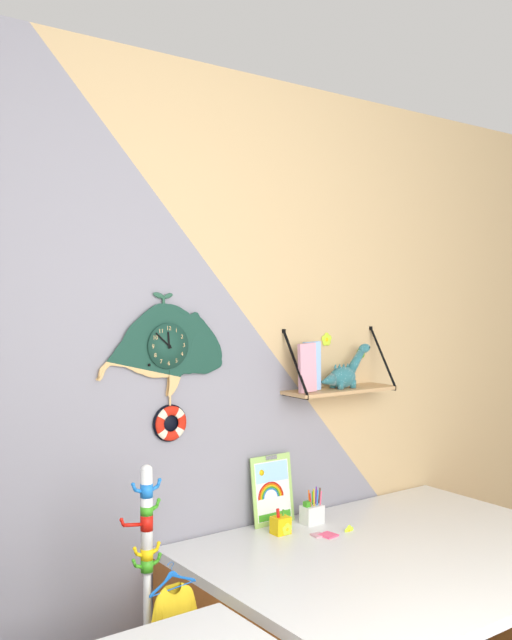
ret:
11:52
